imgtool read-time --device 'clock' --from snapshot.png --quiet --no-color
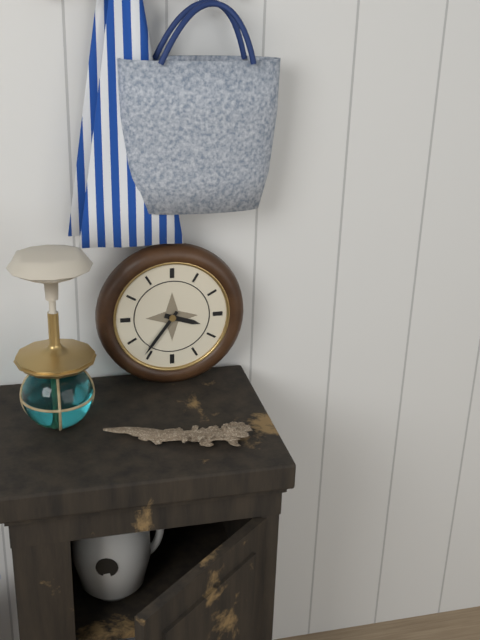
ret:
3:36
